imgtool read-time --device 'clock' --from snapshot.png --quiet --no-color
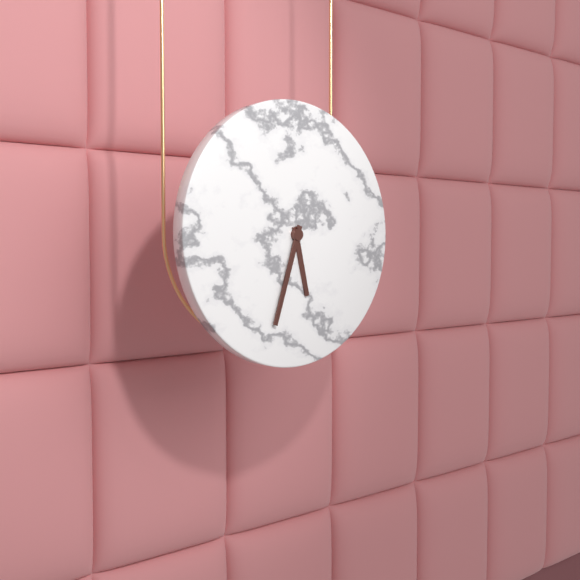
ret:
5:33
